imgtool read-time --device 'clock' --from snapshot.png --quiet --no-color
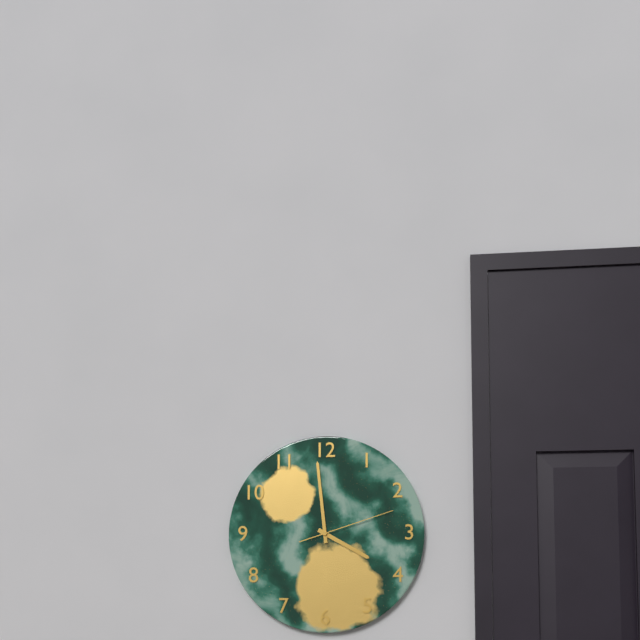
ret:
3:59:12
